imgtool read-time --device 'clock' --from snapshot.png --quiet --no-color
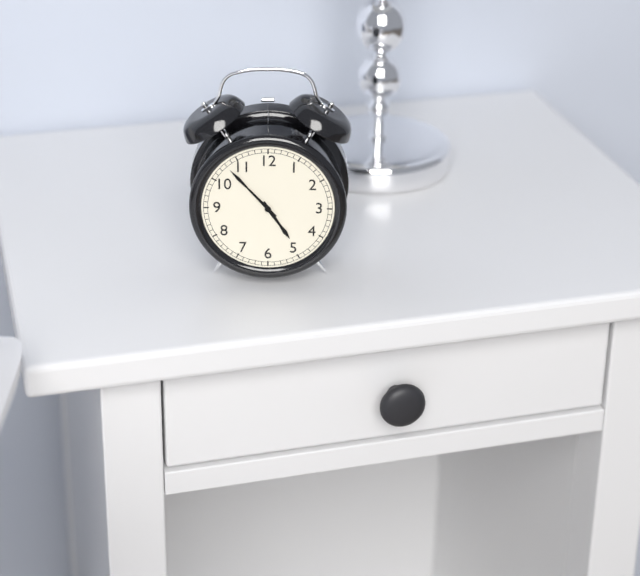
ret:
4:53
